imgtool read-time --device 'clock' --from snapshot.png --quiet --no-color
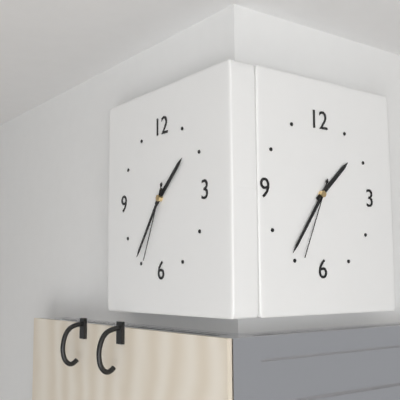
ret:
1:36:34
